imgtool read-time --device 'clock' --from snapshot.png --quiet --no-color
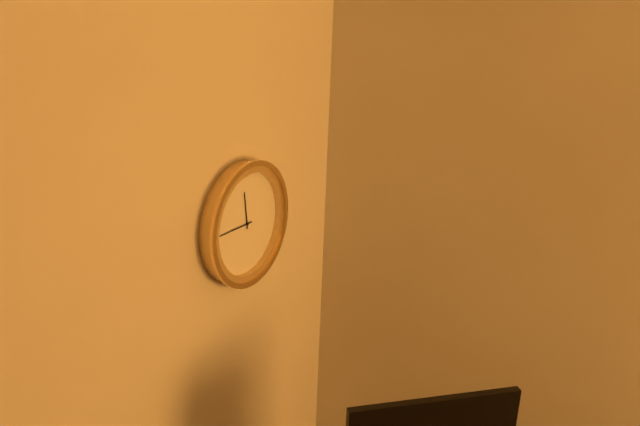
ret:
11:45
